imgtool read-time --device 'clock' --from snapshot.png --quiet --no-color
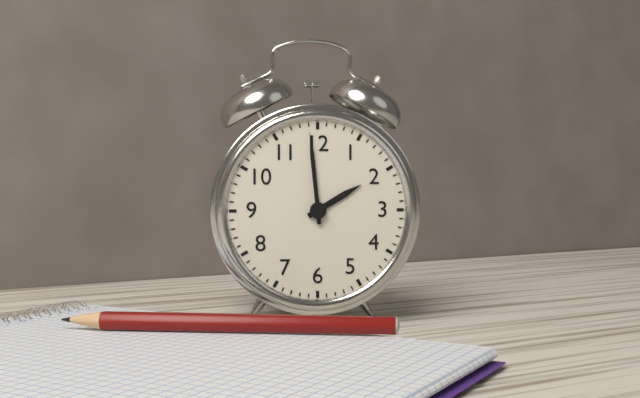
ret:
1:59
